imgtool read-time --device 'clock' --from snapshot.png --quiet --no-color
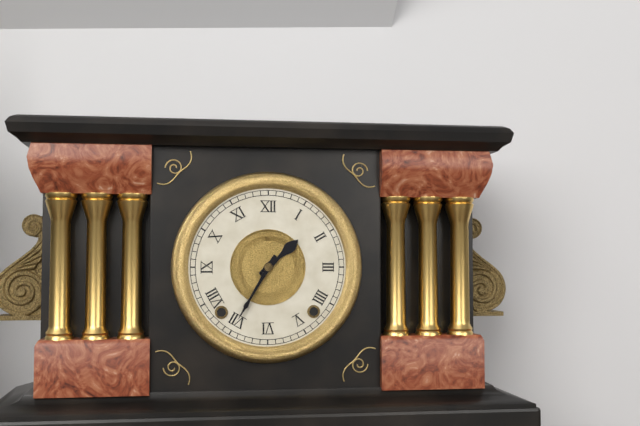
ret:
1:35
